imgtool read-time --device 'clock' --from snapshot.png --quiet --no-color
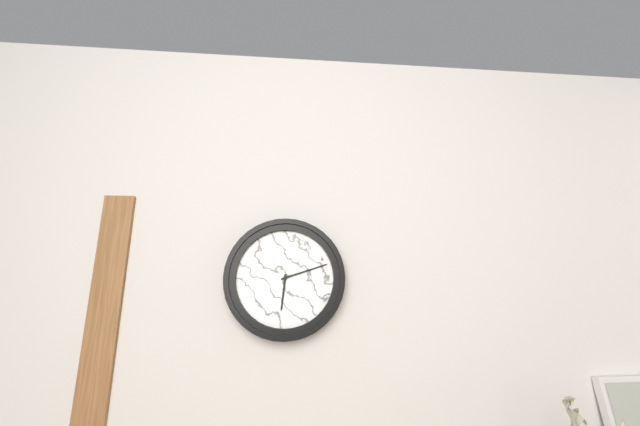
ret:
6:12
